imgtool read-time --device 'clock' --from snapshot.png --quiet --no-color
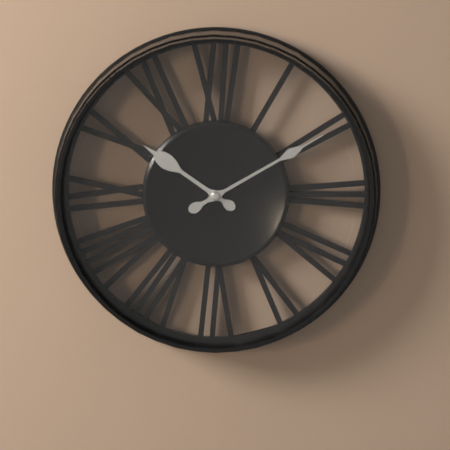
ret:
10:10
